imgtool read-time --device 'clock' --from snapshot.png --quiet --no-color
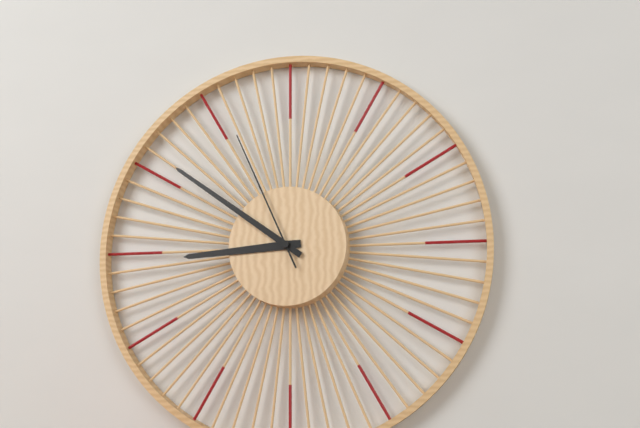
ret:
8:51:56
